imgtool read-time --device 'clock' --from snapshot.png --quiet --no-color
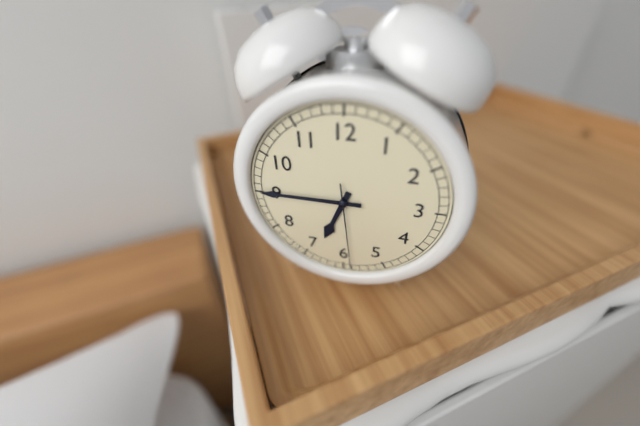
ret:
6:45:29
